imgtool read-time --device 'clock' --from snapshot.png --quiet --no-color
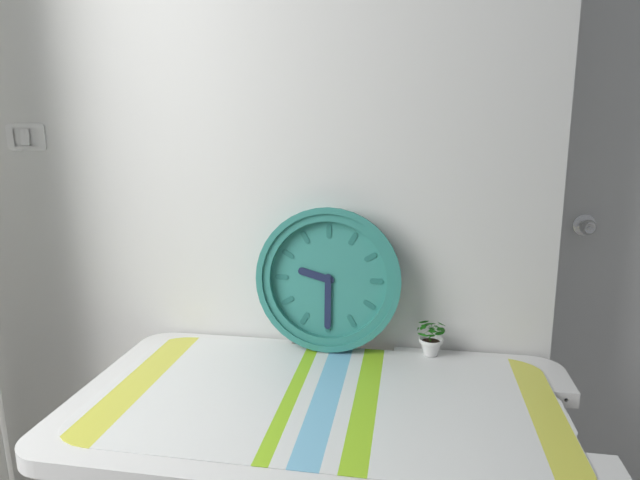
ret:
9:30
